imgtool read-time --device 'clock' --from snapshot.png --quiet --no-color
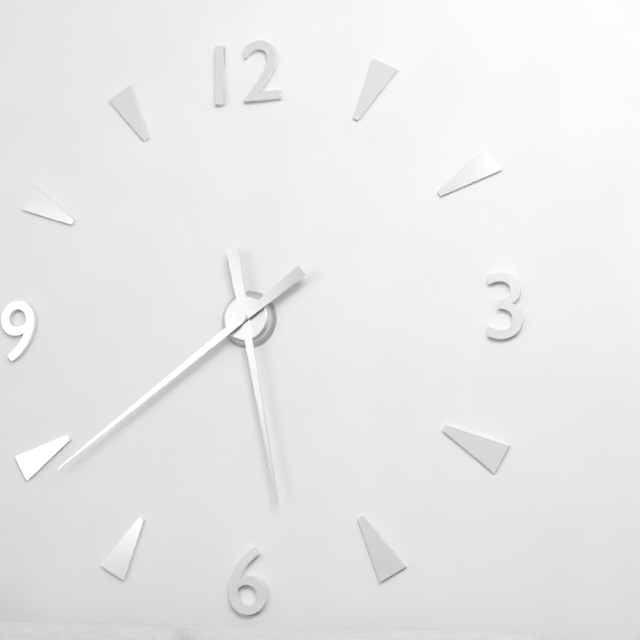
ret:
5:39
